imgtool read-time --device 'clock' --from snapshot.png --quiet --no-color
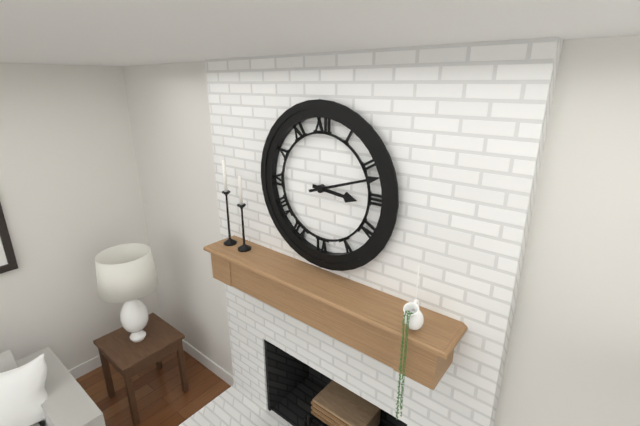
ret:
3:12
